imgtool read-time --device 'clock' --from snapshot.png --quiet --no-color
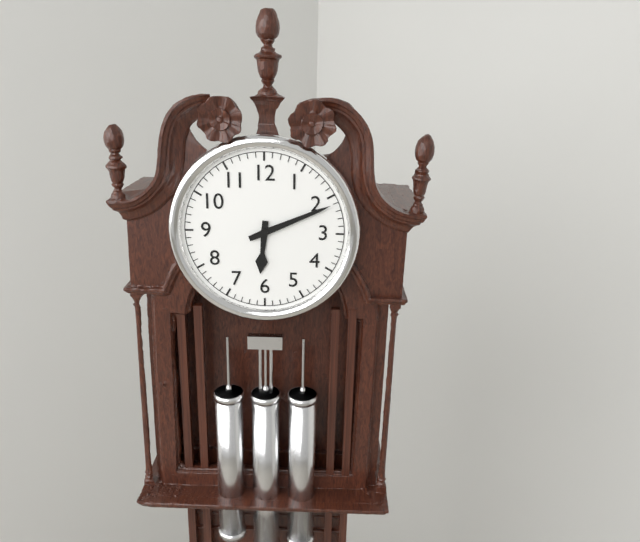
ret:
6:11
